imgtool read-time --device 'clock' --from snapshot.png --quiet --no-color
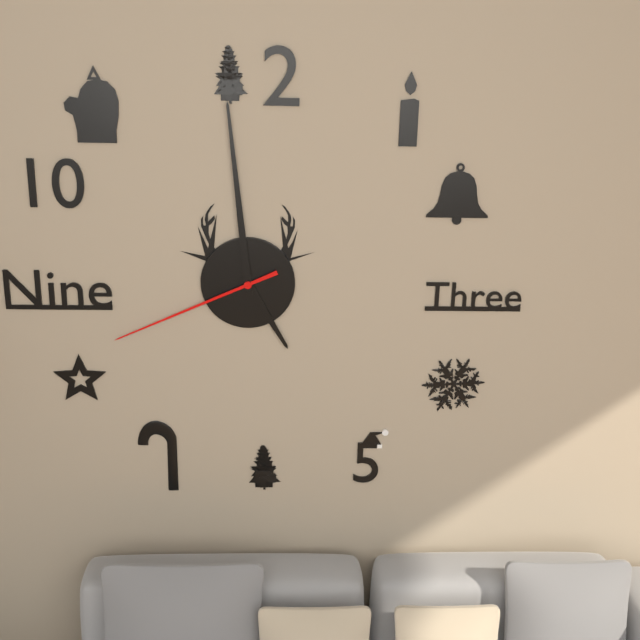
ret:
4:59:41
